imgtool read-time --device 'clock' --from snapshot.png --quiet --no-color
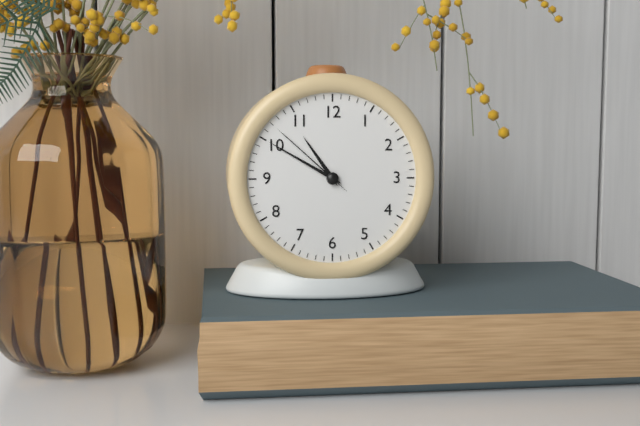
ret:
10:50:52
